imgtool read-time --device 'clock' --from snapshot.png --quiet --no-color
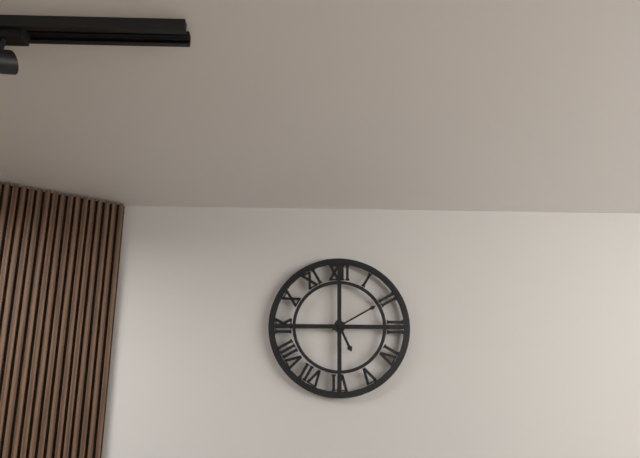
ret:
5:10
